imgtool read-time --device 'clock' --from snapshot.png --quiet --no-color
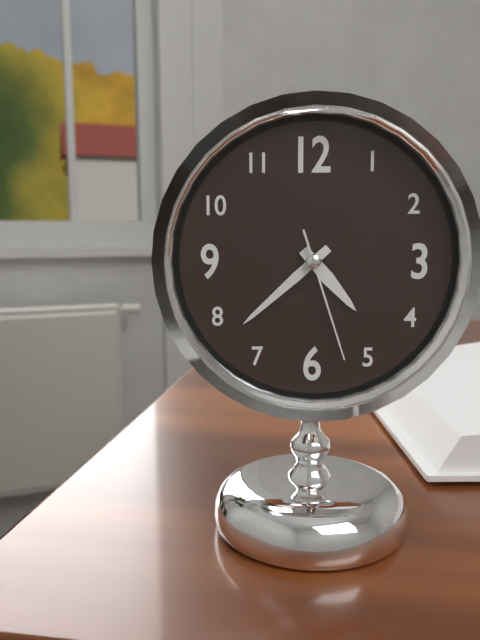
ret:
4:38:27
